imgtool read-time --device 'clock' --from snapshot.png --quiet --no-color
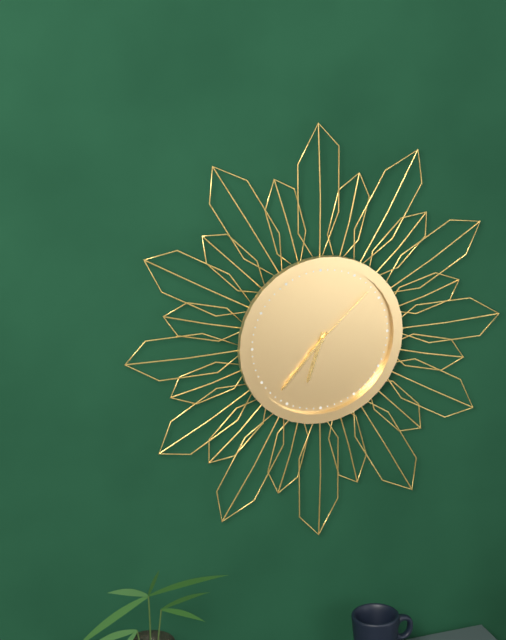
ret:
6:37:08
